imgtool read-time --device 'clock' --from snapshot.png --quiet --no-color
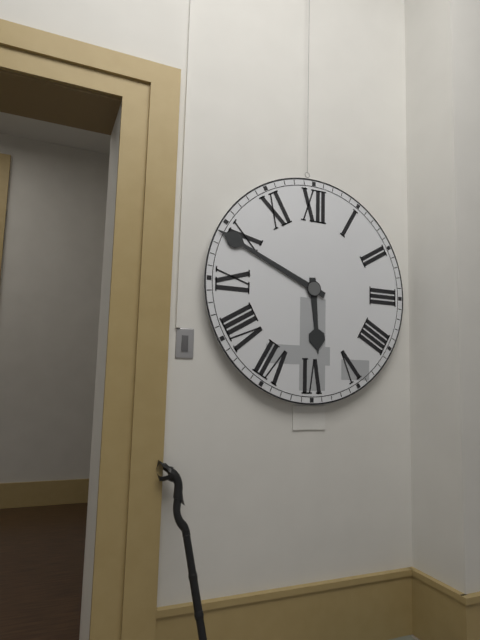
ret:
5:49
